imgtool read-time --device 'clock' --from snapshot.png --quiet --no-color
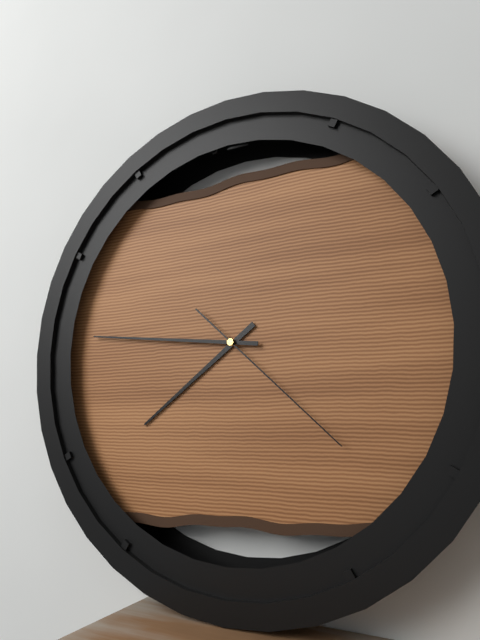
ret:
7:46:22
